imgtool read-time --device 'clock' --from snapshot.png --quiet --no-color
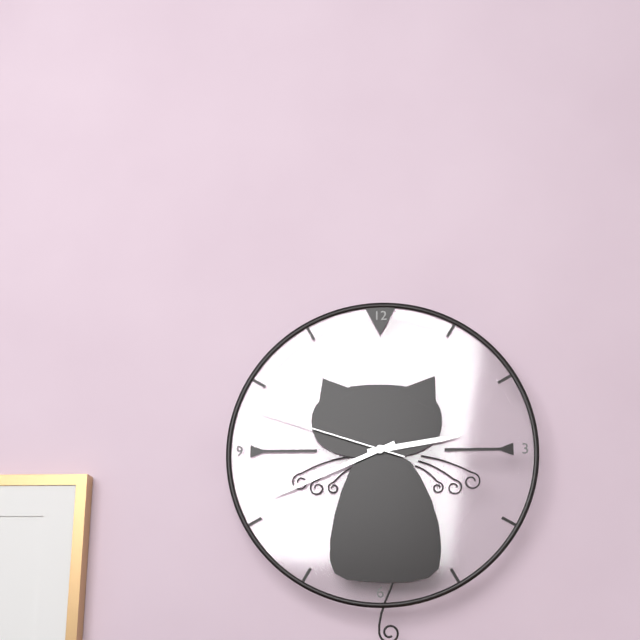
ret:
2:41:48
